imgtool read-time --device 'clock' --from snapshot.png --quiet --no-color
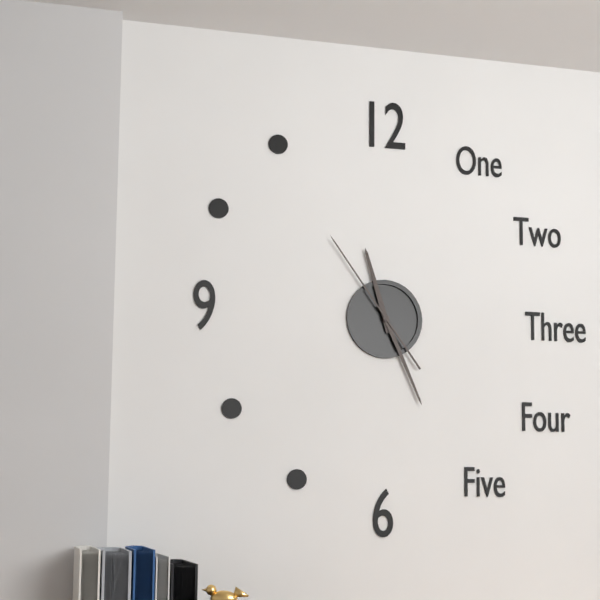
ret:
11:26:54
